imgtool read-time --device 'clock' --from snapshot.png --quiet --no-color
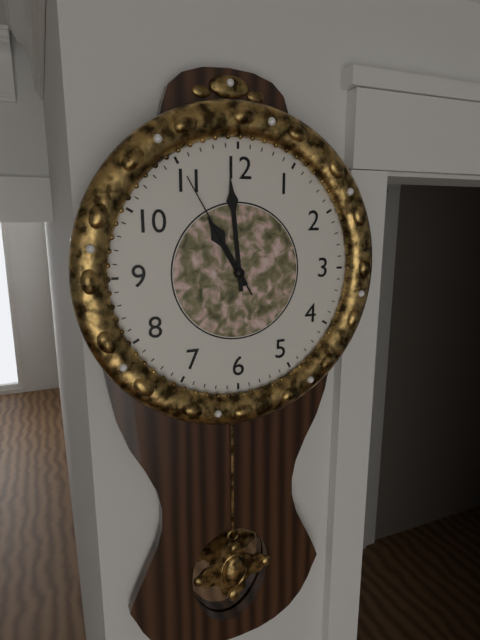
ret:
10:59:55
